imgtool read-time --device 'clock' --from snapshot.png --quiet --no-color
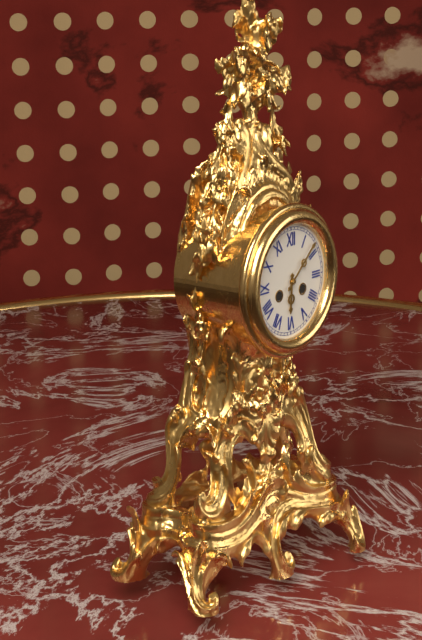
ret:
6:08
